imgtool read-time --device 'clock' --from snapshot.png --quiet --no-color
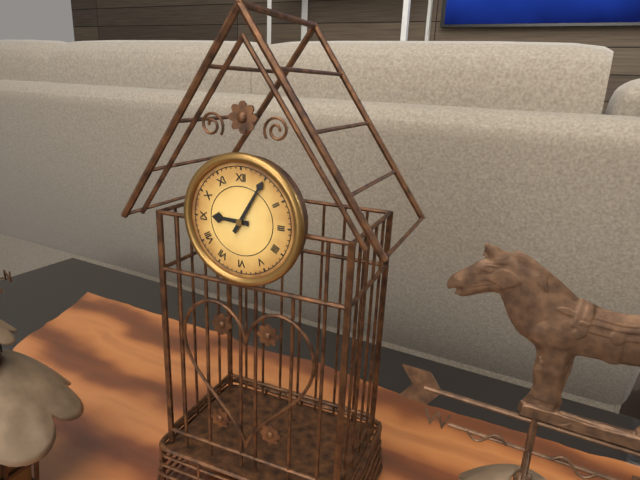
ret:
9:05
